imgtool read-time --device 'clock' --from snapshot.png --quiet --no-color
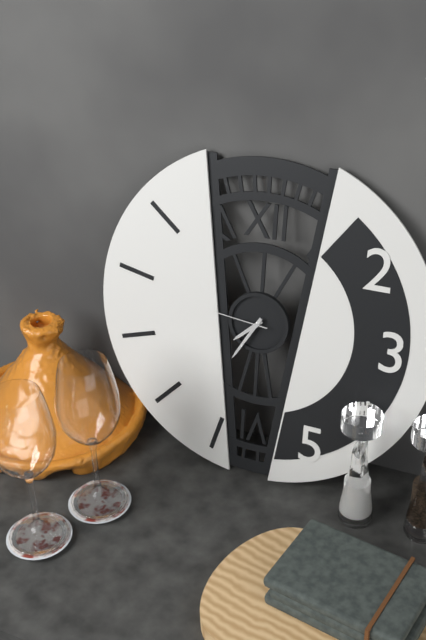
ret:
7:35:46
